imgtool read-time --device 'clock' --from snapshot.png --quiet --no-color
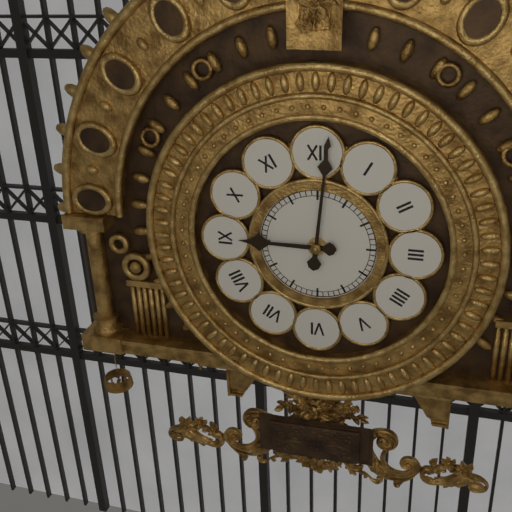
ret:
9:01
